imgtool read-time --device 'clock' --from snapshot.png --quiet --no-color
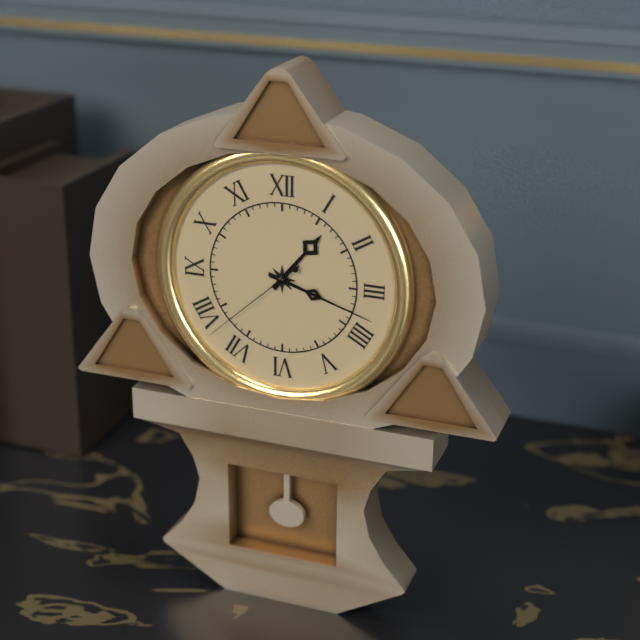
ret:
1:18:38
